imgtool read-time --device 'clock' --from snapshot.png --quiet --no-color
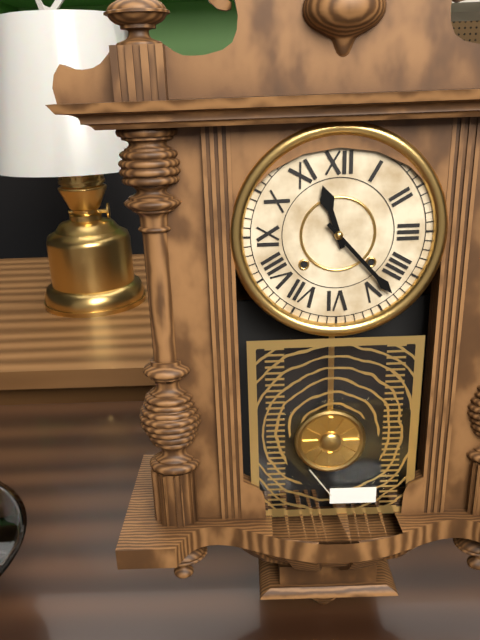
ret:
11:23
